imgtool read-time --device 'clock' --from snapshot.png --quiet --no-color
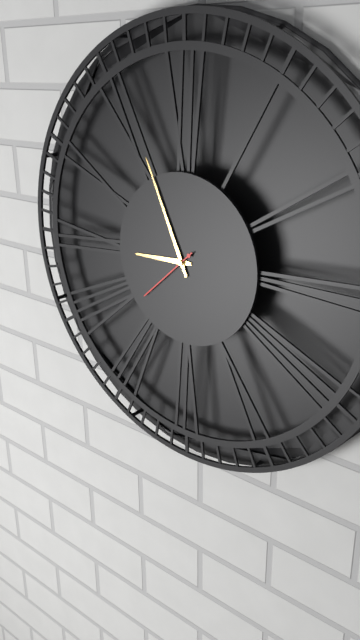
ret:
8:56:38
